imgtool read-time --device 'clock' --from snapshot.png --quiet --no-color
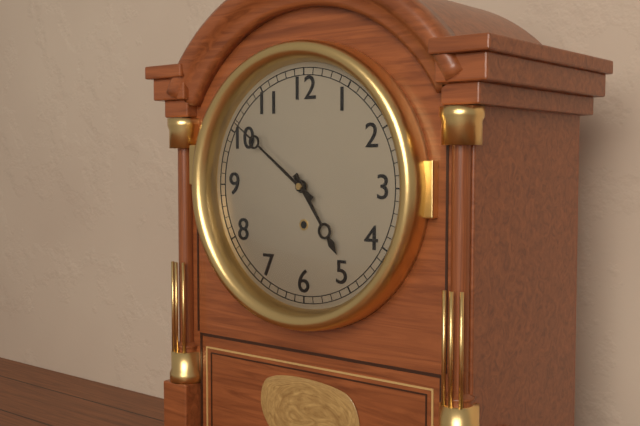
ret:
4:51
